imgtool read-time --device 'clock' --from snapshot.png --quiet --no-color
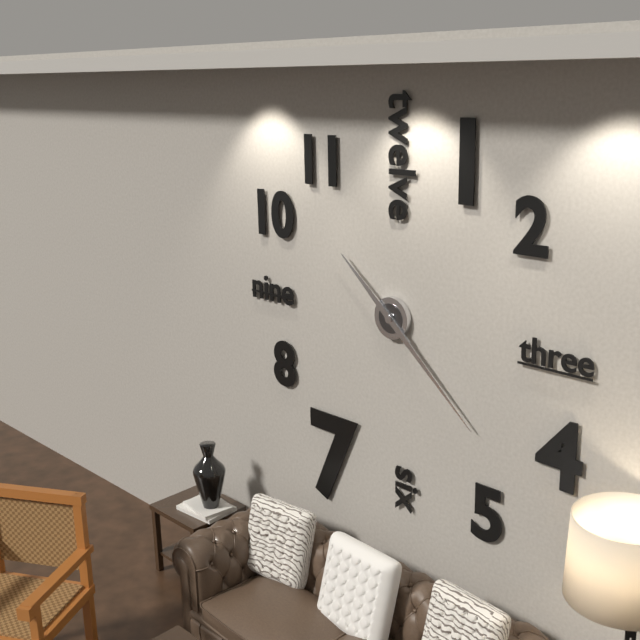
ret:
10:22
